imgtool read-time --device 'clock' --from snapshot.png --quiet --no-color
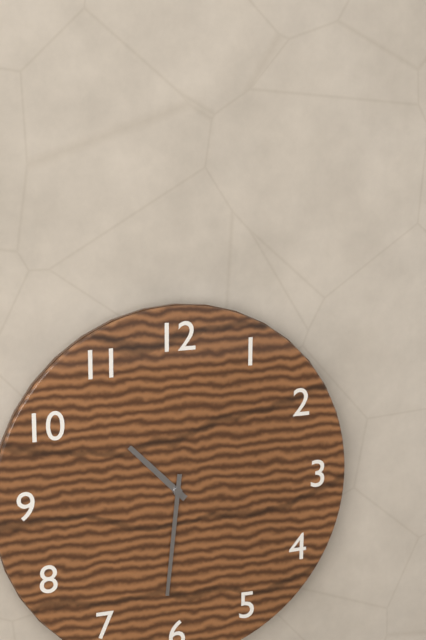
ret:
10:31
